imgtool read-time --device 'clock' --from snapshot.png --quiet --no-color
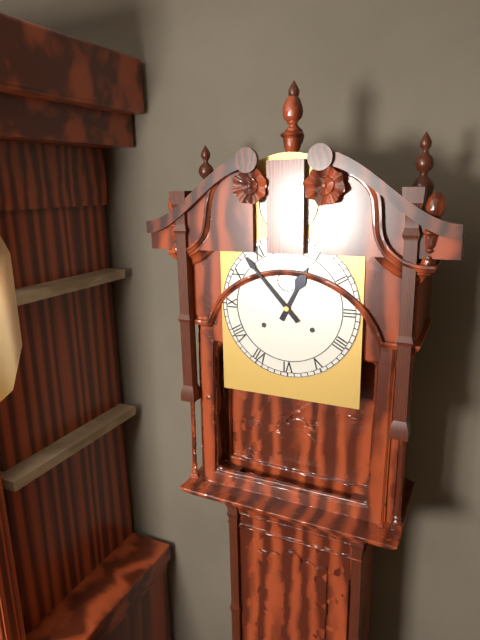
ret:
12:53
